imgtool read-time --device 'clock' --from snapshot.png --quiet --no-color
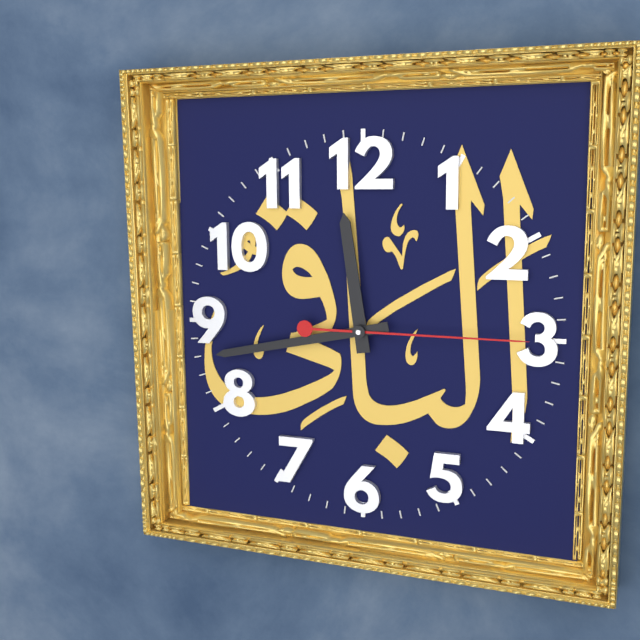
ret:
11:43:15
